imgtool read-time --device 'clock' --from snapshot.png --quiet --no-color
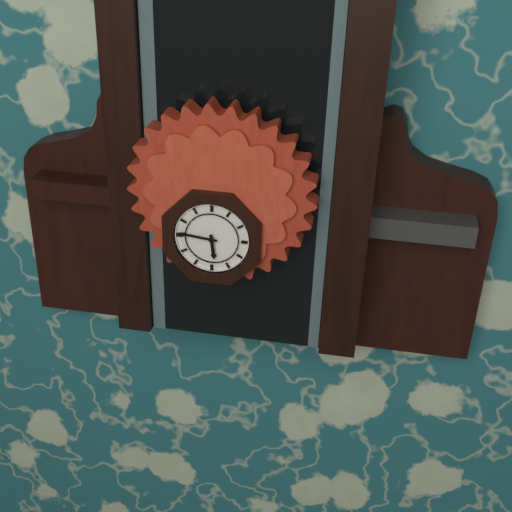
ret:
5:46
